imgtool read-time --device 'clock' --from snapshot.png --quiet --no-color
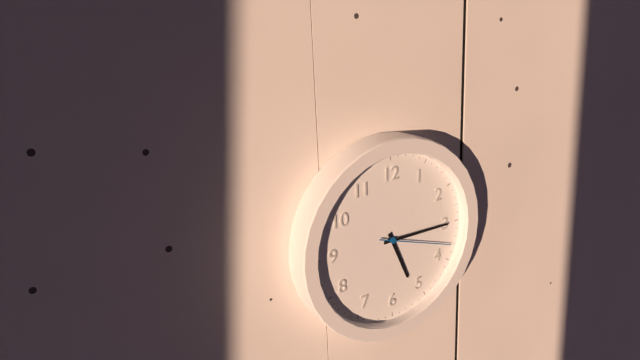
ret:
5:15:18
